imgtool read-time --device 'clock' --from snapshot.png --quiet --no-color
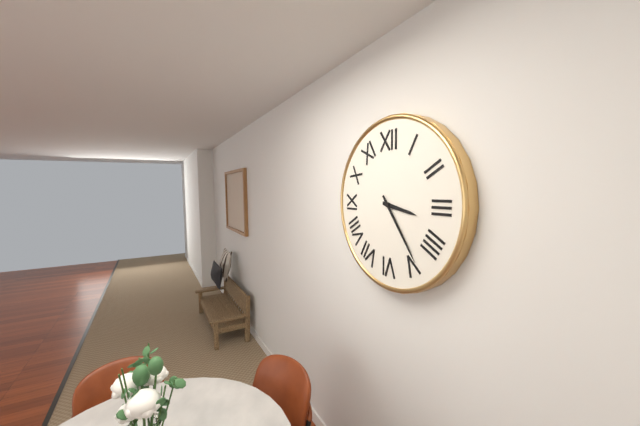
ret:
3:24
